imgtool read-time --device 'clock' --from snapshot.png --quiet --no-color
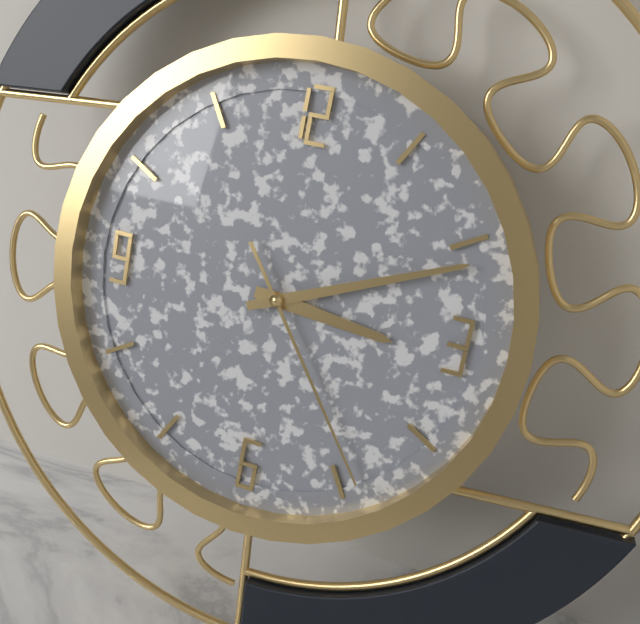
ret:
3:11:24
